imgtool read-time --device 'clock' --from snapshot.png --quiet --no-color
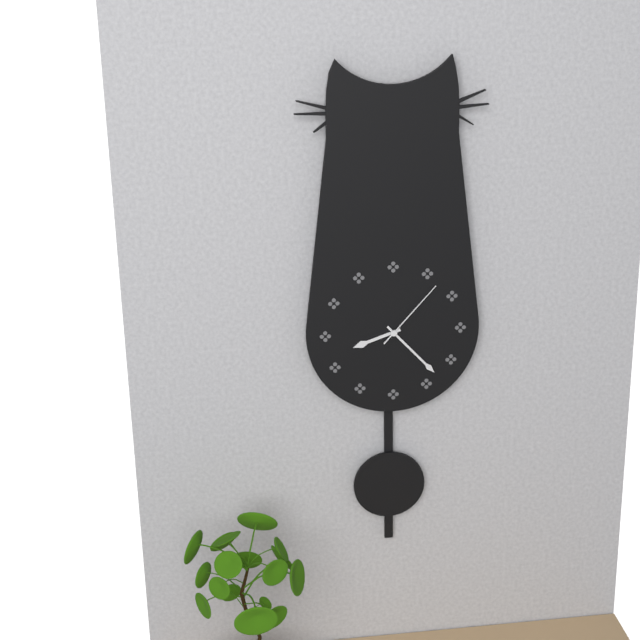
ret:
8:23:07
